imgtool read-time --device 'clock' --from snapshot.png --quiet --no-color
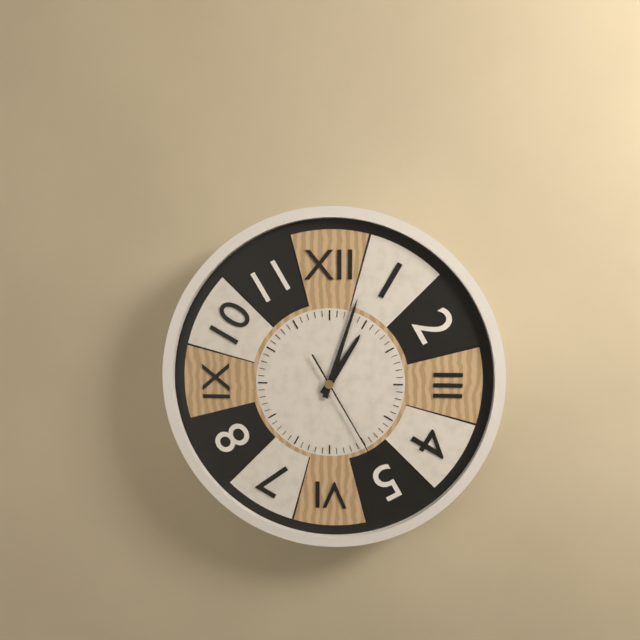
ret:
1:03:25
